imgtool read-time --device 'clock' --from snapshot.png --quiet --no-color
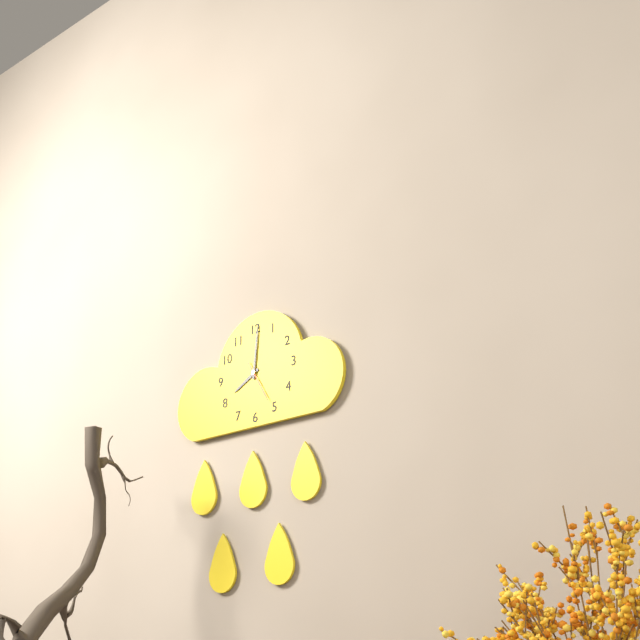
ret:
8:01
